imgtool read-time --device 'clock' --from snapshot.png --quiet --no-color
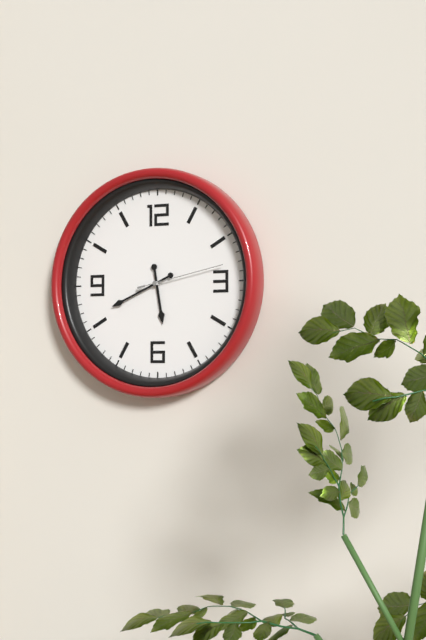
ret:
5:41:13
